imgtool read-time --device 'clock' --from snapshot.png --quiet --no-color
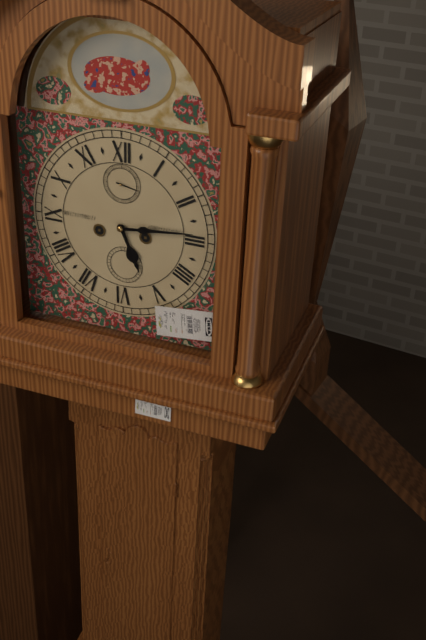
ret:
5:14
